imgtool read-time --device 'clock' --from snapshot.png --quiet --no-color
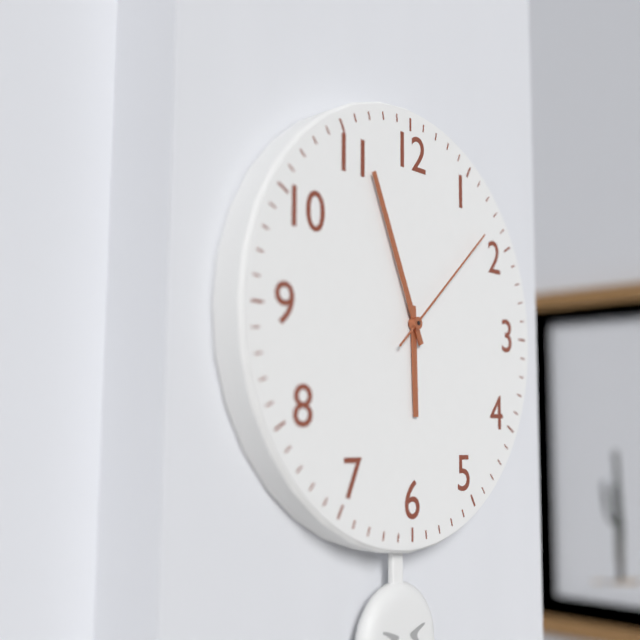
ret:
5:56:08
